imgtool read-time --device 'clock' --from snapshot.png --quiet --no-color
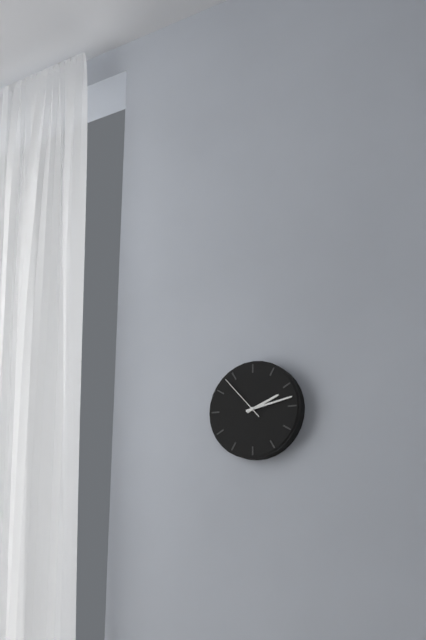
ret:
2:13:53
